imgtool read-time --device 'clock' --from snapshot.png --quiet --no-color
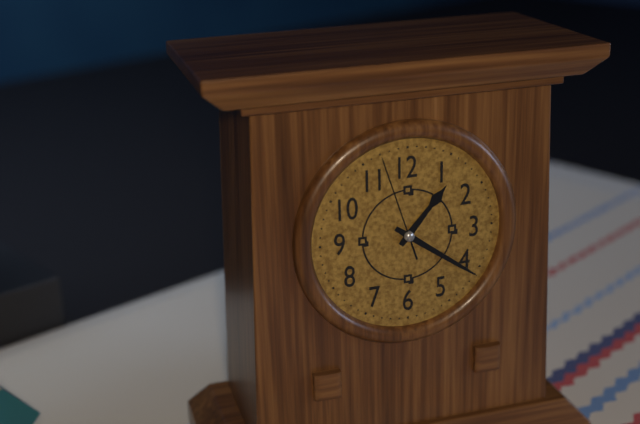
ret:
1:21:57
